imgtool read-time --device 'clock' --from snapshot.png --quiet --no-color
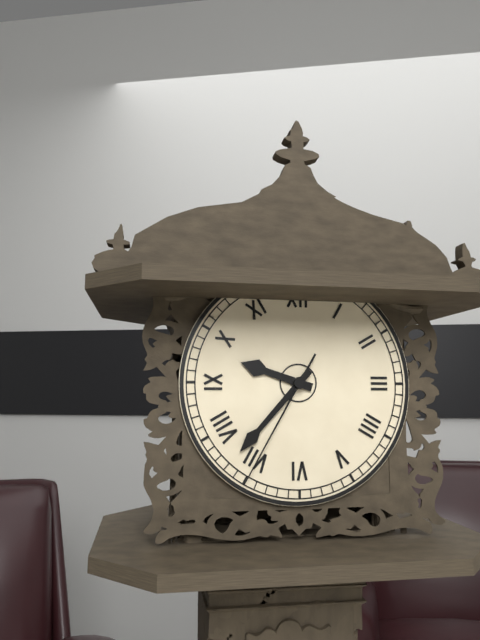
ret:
9:37:35
